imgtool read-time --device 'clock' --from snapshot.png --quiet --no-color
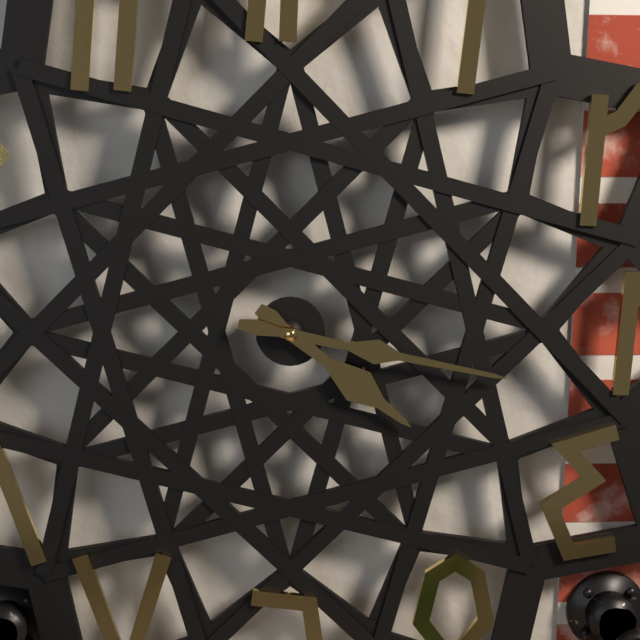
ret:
4:17
